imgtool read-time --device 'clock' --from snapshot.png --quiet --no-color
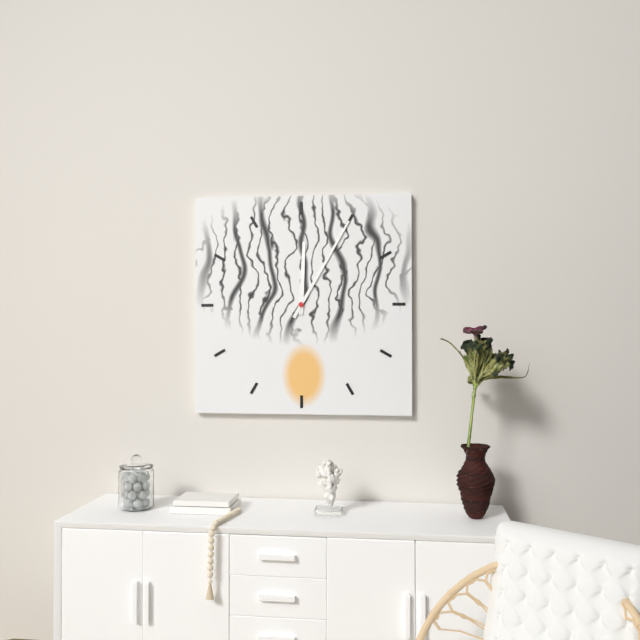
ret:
12:05
